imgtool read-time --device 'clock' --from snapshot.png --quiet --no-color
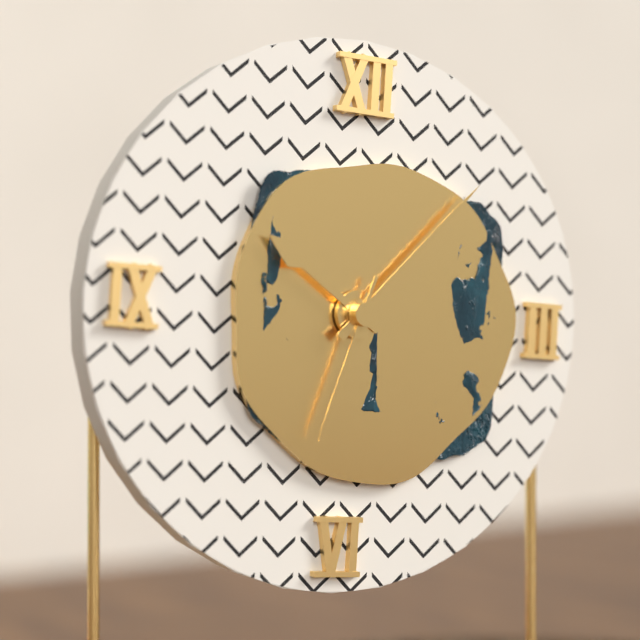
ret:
10:07:33
